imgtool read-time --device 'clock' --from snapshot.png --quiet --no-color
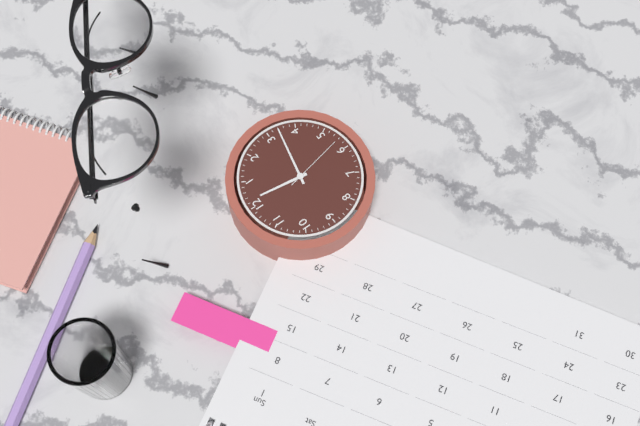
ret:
12:17:28
